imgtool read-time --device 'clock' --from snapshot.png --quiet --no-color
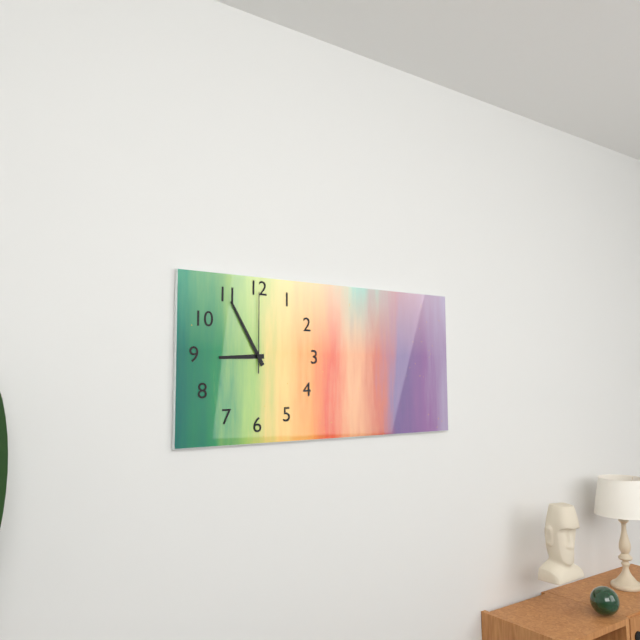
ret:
8:55:00
